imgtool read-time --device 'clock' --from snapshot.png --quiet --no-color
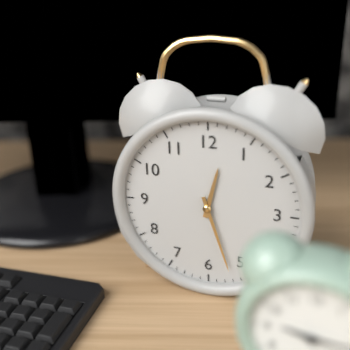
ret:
12:27
